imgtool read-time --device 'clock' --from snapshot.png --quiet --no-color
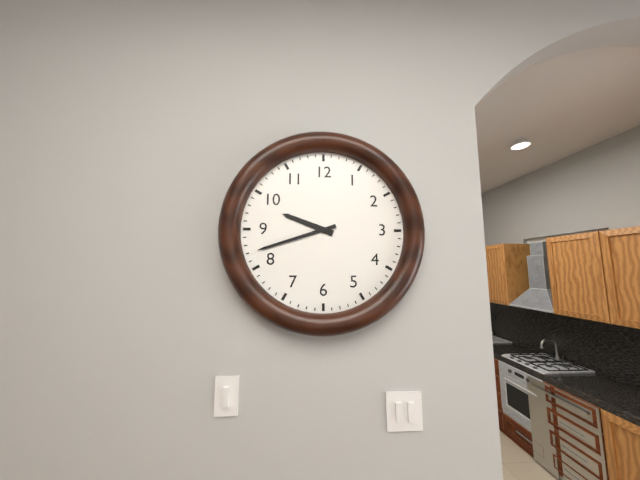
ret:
9:42
